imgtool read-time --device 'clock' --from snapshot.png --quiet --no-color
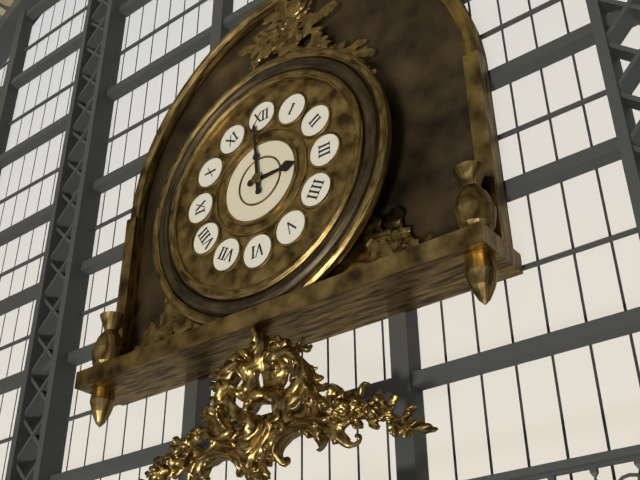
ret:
2:59
